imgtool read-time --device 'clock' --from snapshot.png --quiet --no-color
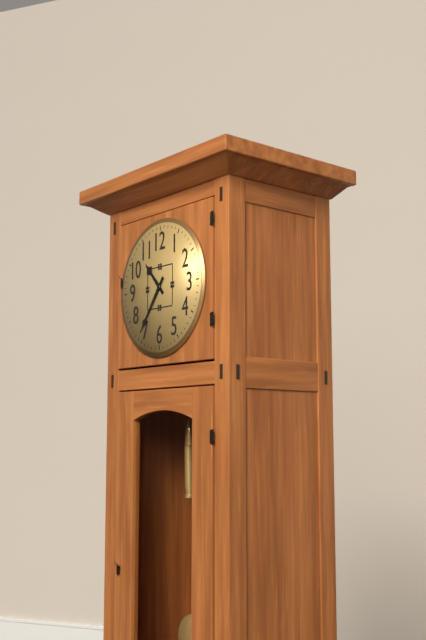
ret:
10:36
